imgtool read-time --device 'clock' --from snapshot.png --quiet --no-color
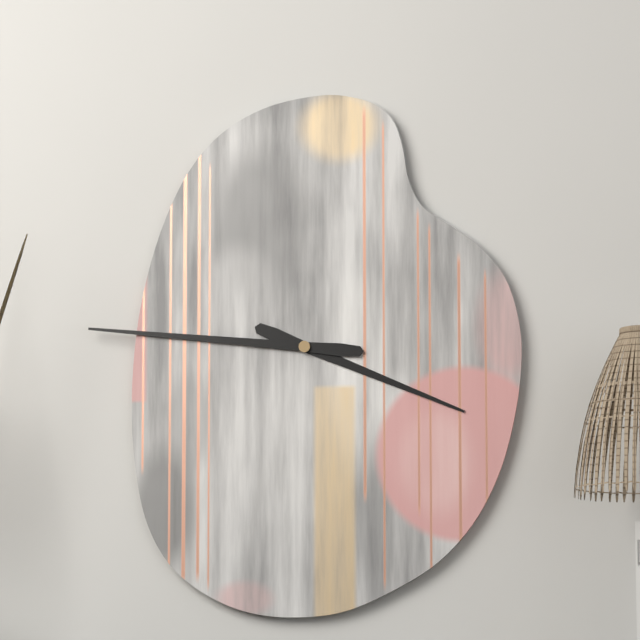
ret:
3:46
